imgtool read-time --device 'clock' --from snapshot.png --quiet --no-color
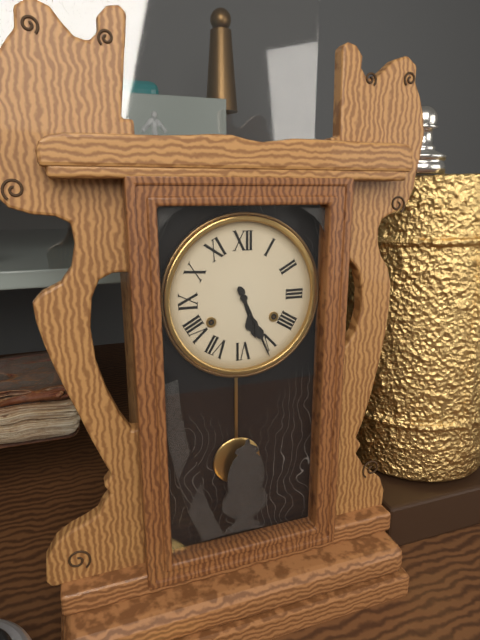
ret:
5:26
